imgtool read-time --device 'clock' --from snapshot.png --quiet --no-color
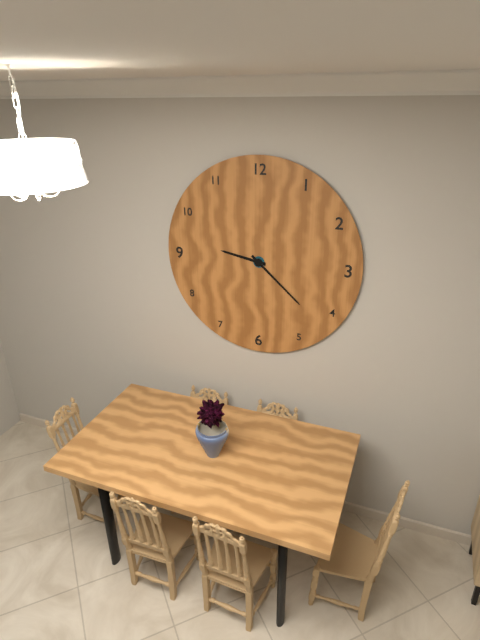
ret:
9:22
